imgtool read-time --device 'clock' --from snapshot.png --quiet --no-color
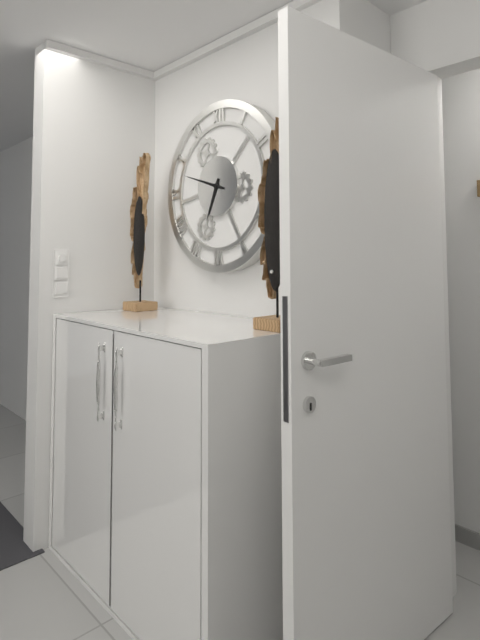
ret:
6:48
